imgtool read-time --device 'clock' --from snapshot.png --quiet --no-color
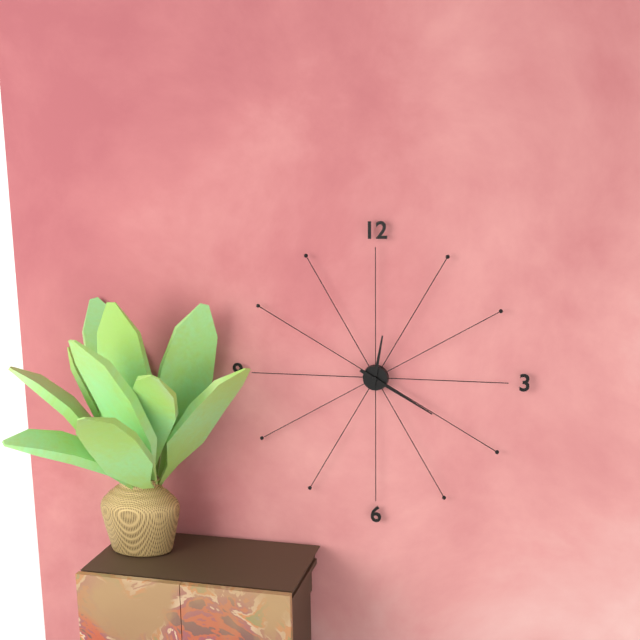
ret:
12:20
